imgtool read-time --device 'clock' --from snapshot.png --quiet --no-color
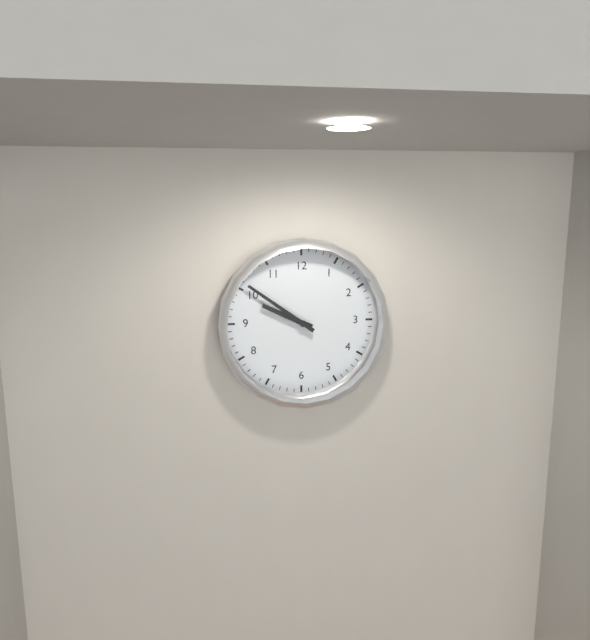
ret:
9:51
